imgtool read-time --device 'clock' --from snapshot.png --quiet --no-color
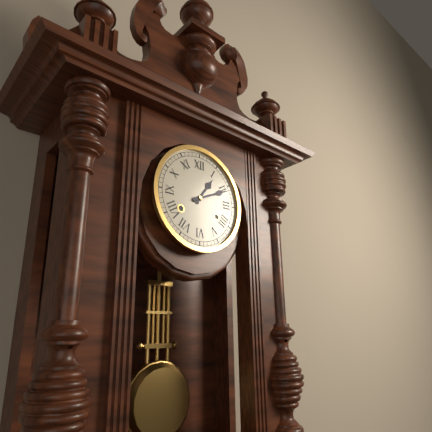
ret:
1:11
